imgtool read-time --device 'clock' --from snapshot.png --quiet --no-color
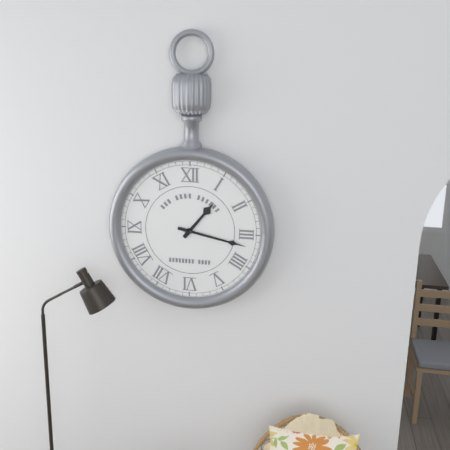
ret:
1:17
